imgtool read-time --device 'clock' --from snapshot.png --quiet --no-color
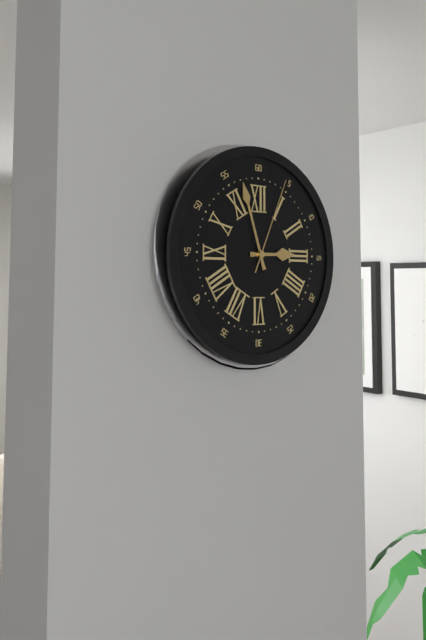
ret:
2:57:04
